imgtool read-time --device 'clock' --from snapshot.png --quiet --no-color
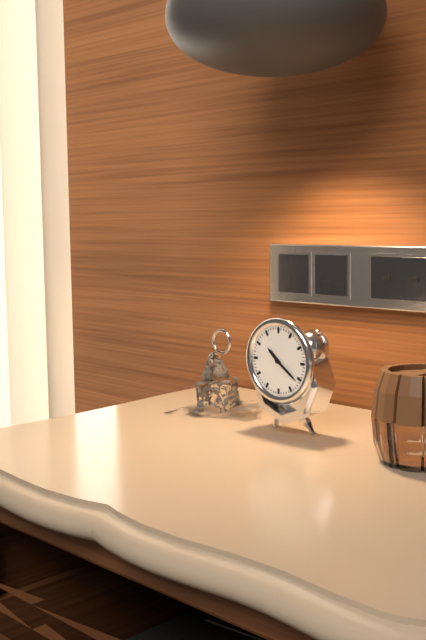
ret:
10:21
